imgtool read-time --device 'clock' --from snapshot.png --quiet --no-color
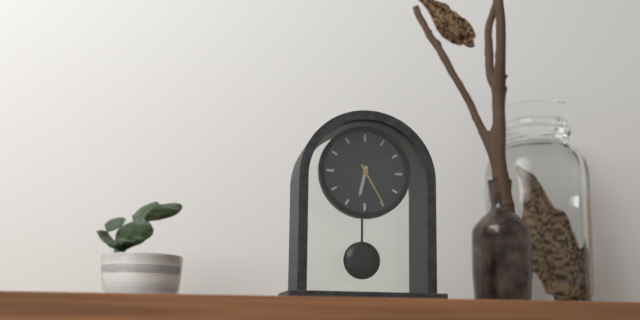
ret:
6:25
